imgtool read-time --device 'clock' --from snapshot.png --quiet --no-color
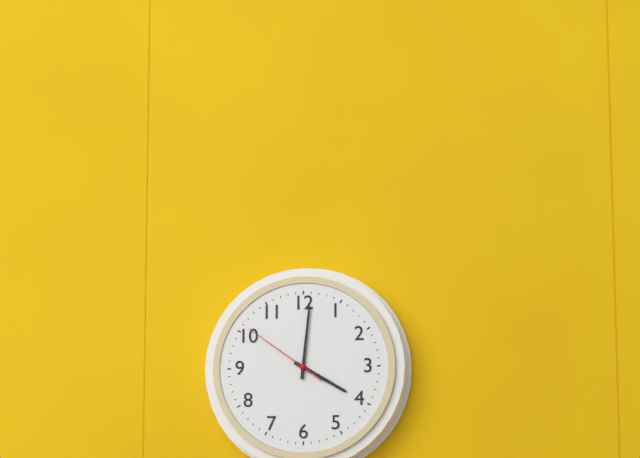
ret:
4:01:51
